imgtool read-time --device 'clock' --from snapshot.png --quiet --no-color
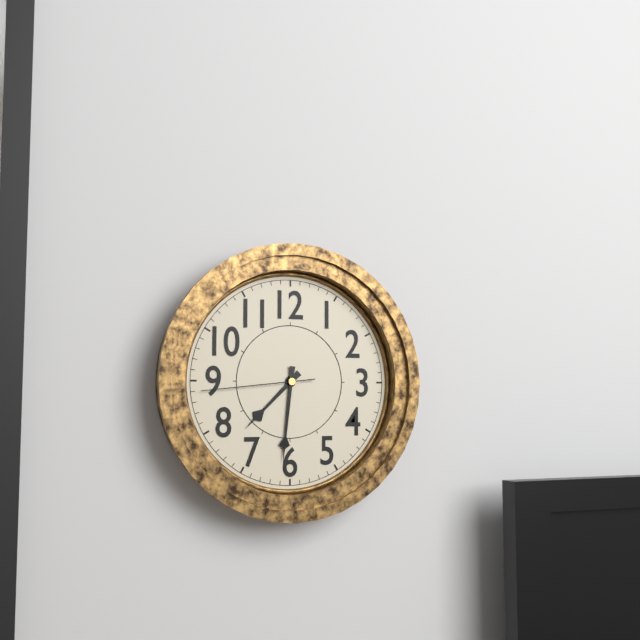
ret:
7:31:44
